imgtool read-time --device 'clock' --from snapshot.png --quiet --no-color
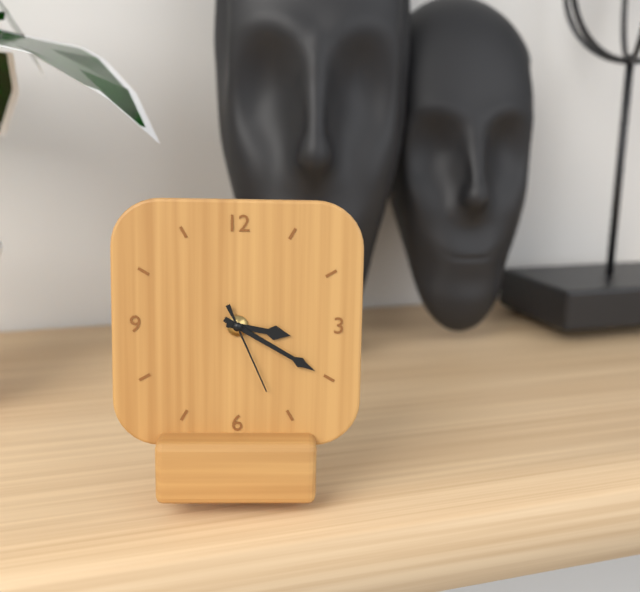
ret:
3:20:26
